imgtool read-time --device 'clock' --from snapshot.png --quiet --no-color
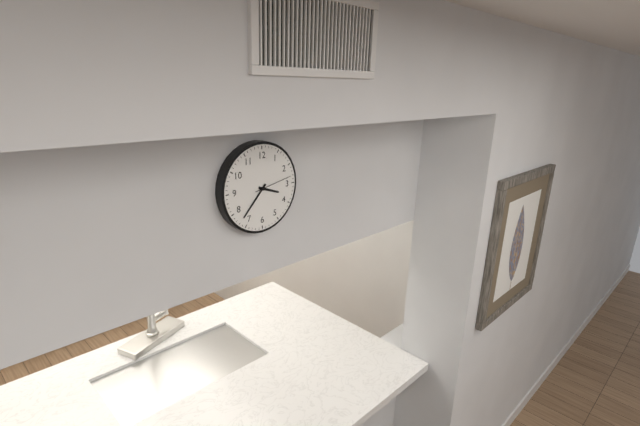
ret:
3:37
